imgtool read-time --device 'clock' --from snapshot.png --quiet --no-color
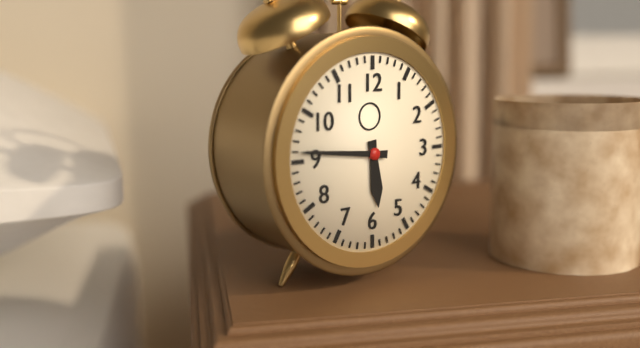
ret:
5:46
